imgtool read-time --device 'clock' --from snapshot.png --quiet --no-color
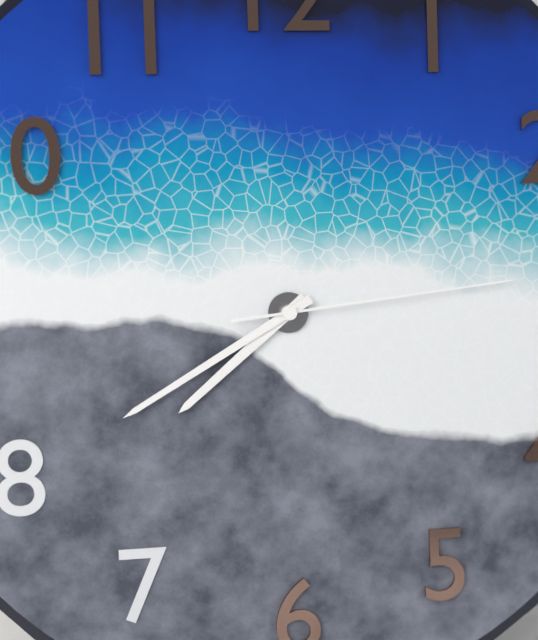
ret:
7:40:14
